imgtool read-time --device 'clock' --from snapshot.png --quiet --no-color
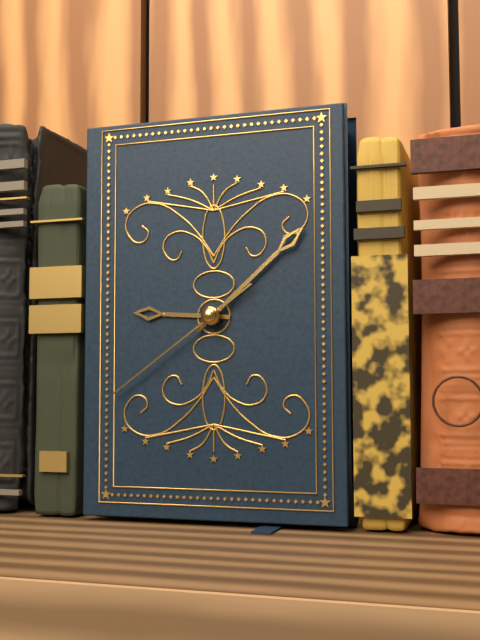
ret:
9:08:39
